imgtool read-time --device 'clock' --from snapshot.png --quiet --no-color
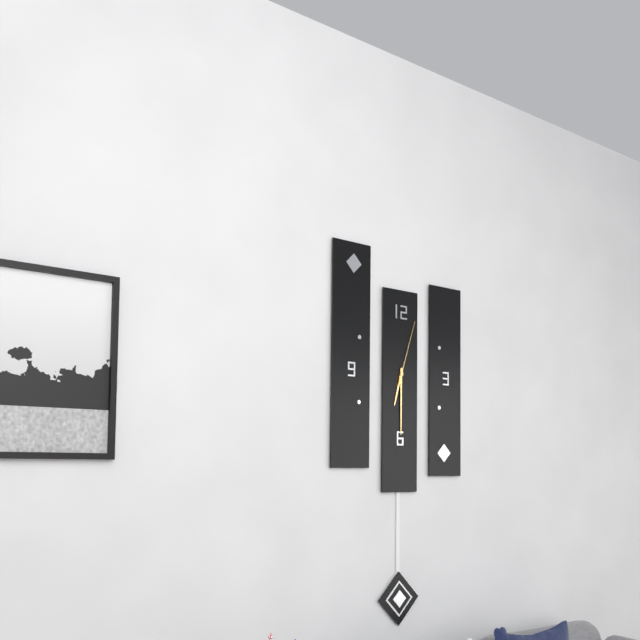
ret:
6:30:03
